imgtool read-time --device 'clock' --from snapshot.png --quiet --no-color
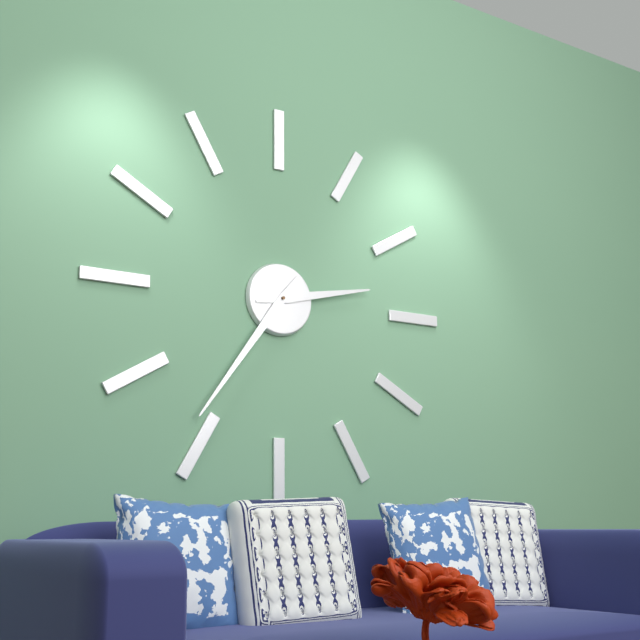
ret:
2:36
